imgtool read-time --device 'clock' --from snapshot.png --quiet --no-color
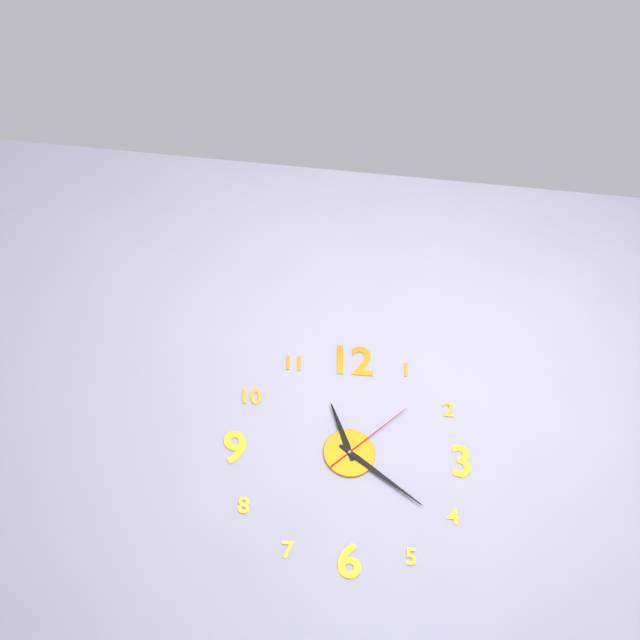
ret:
11:21:08
